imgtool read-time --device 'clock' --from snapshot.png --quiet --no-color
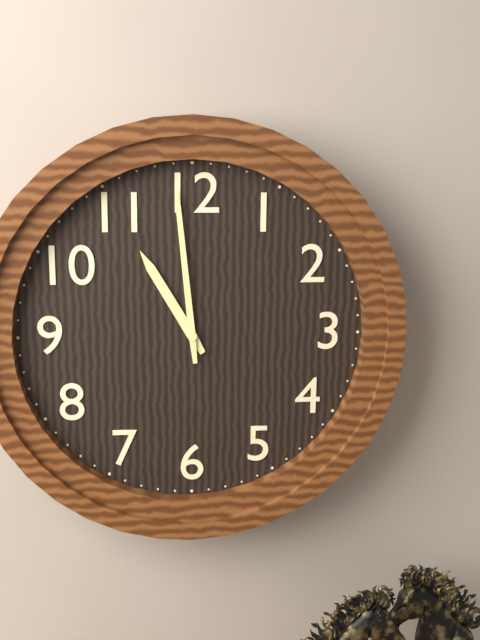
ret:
10:59
